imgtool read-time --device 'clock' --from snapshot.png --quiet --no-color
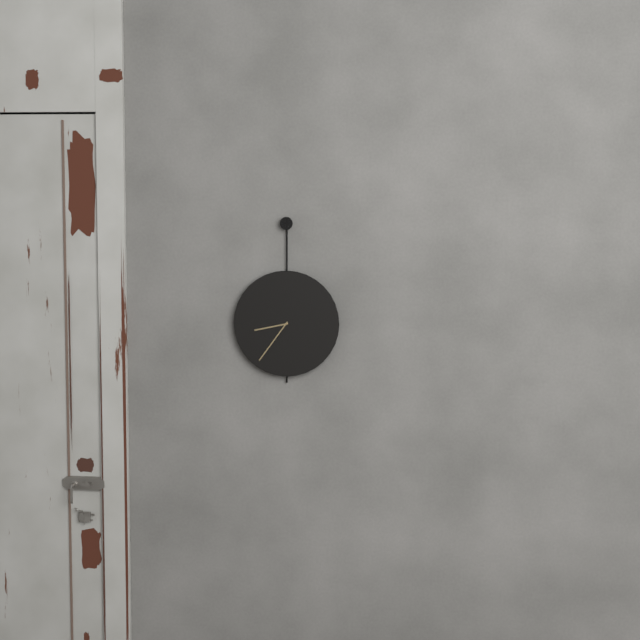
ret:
8:36
